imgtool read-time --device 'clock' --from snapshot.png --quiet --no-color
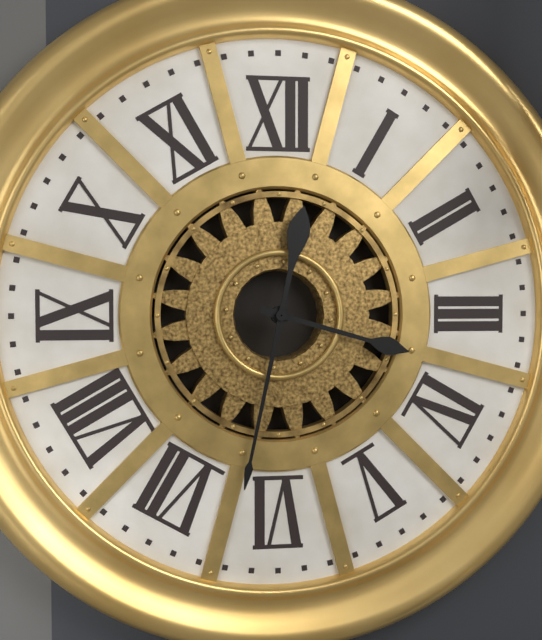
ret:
3:32
